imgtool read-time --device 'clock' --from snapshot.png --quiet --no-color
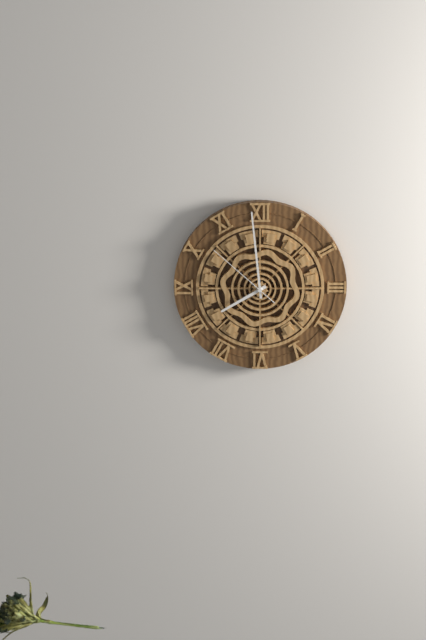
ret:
7:59:52
